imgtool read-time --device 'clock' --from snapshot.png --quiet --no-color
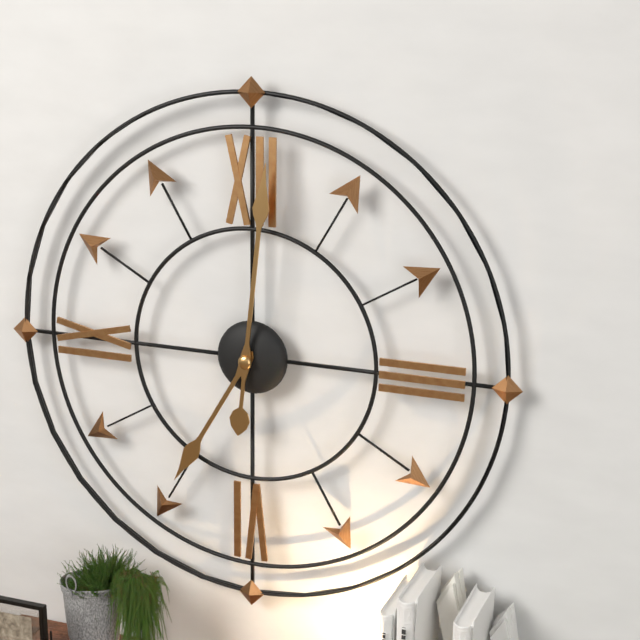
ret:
7:01
